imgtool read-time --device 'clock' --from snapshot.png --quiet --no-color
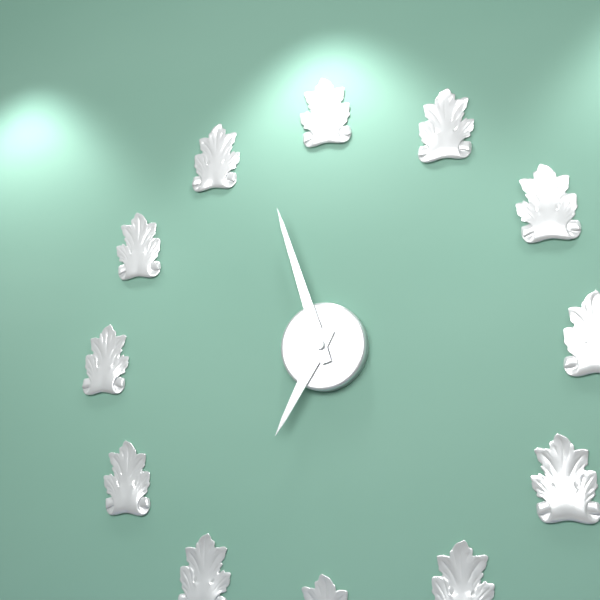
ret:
6:57
